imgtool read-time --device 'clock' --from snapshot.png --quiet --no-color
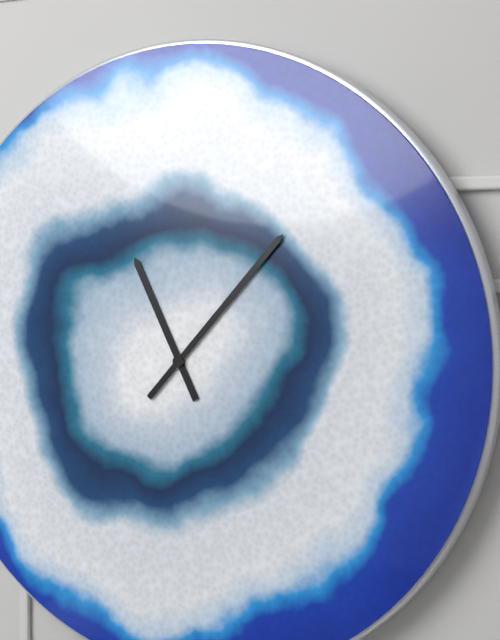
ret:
11:07
